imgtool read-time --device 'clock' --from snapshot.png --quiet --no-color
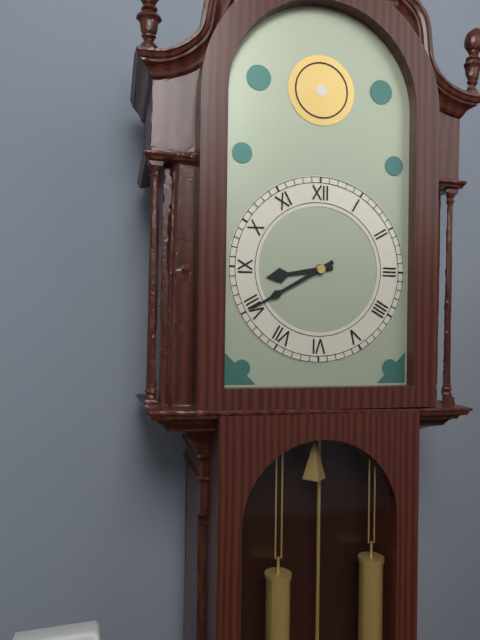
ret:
8:40
